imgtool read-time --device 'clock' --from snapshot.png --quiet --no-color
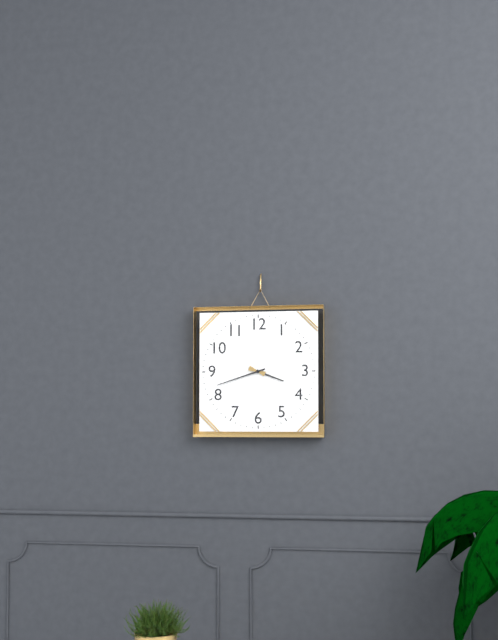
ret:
3:42
